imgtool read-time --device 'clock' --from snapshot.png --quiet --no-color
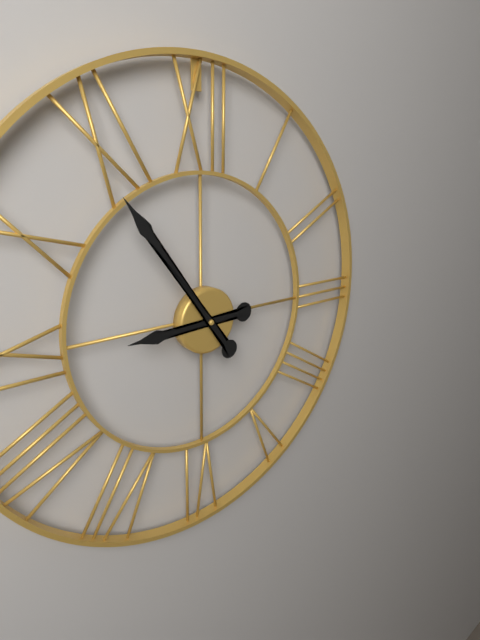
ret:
8:54
